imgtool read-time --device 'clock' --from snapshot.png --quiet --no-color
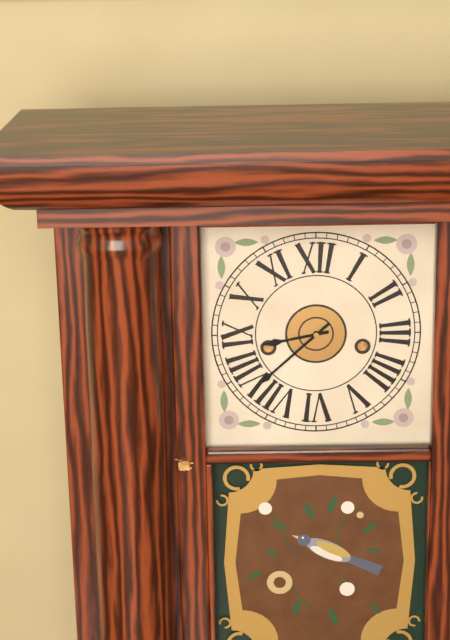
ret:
8:38
